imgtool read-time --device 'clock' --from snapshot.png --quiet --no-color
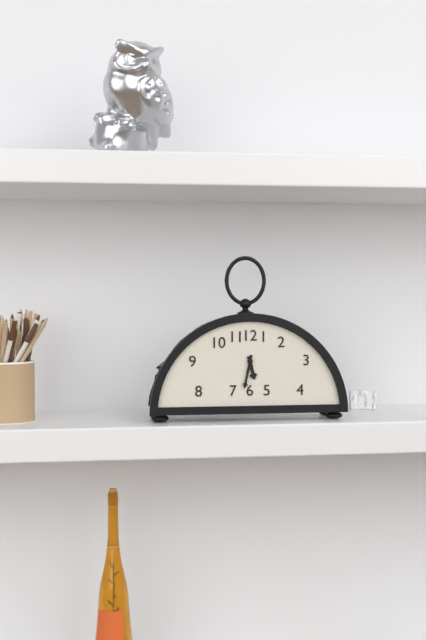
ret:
5:32
